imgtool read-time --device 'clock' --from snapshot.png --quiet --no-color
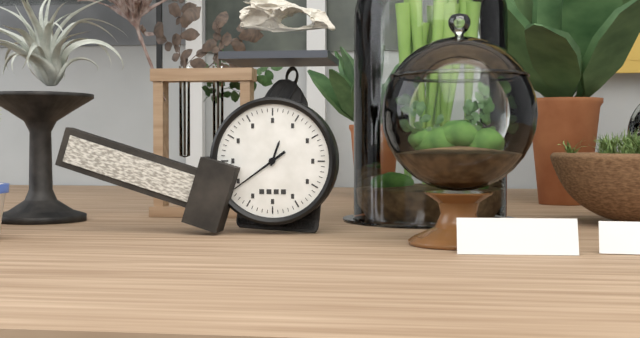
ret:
12:39
